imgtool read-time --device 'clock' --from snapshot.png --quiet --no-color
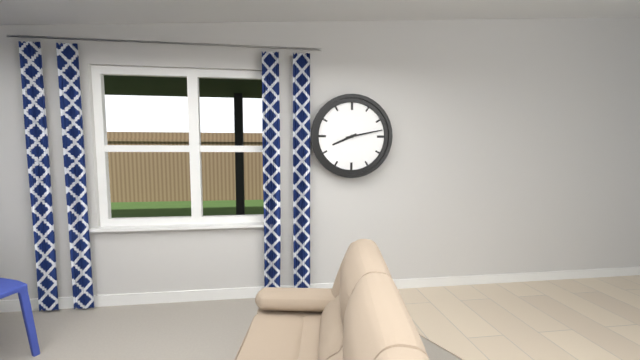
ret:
8:13
